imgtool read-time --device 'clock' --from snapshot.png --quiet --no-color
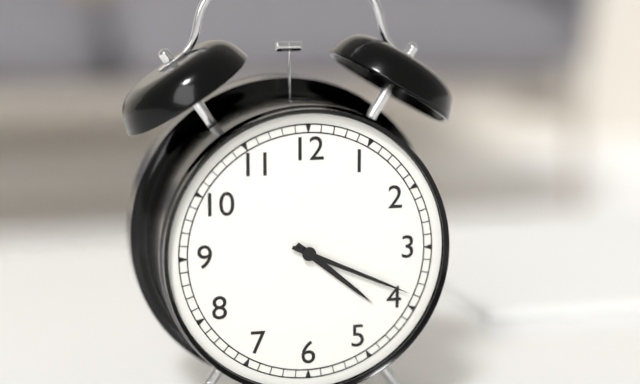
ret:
4:19
